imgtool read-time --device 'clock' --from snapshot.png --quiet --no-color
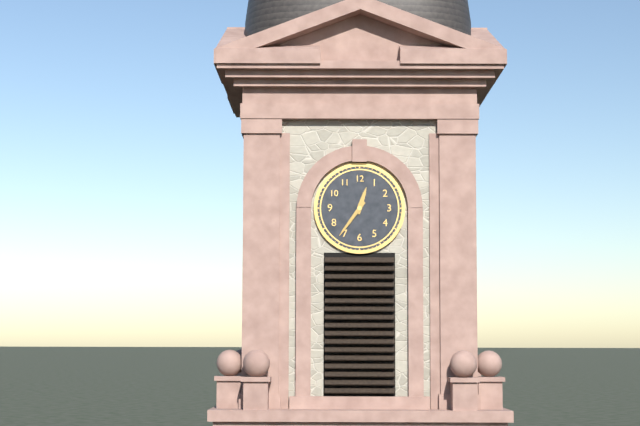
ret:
12:36
